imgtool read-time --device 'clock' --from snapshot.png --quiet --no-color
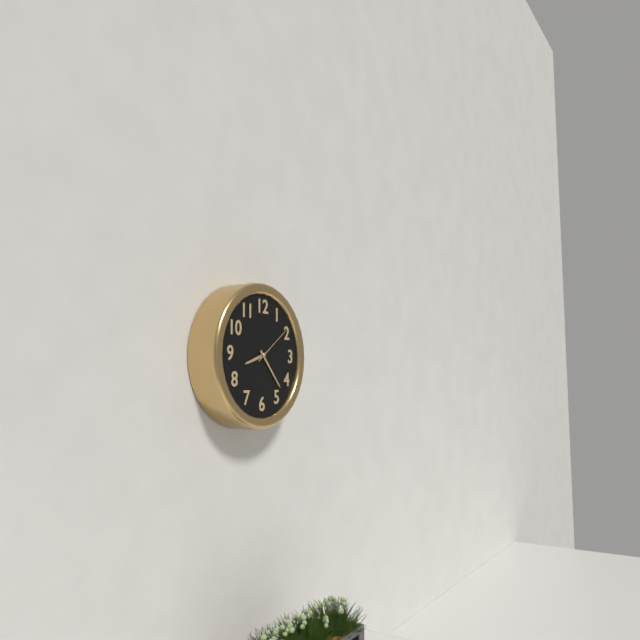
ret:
8:23
